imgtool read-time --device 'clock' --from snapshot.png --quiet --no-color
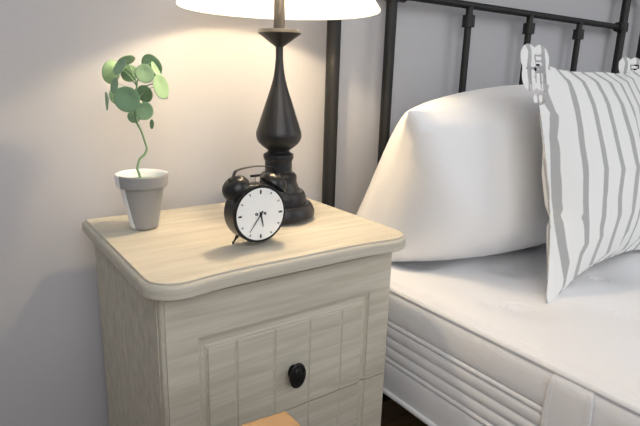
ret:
5:36
